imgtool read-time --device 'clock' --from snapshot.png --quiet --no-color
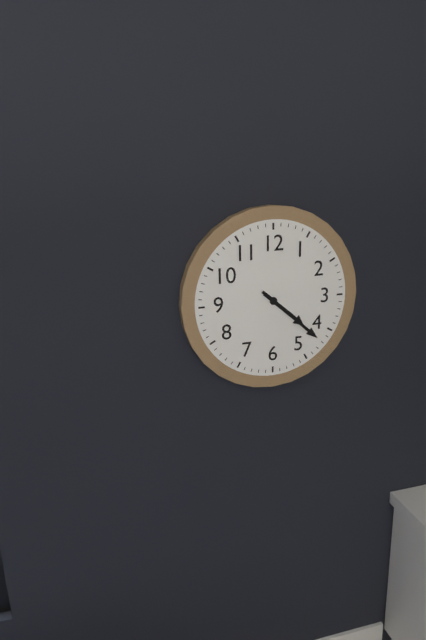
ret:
4:22
